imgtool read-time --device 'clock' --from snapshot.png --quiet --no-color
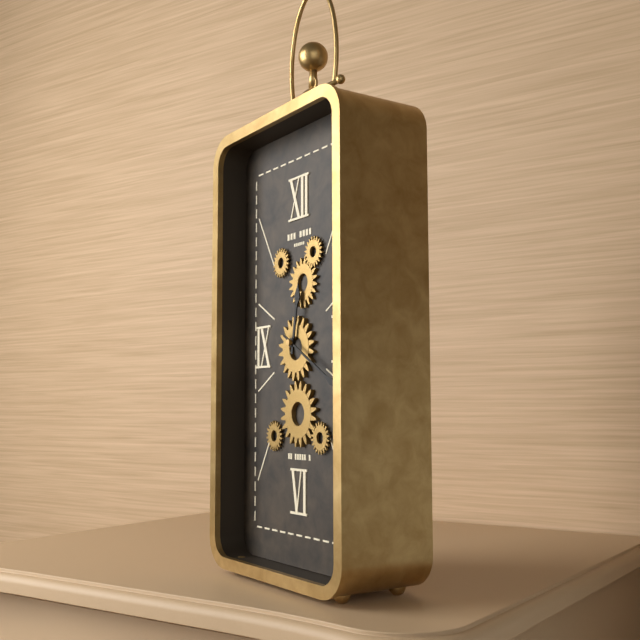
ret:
12:20
